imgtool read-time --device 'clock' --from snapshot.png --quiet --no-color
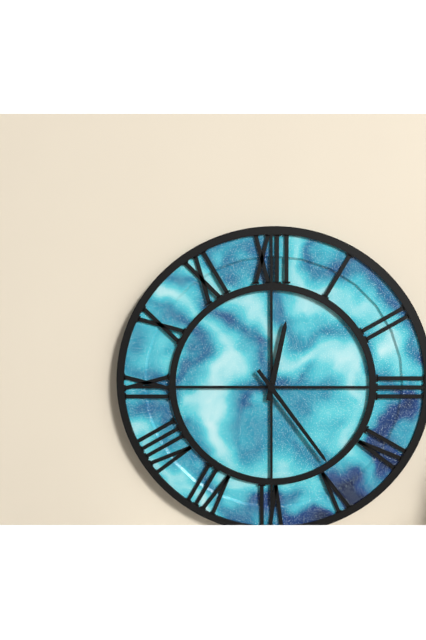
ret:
12:24
